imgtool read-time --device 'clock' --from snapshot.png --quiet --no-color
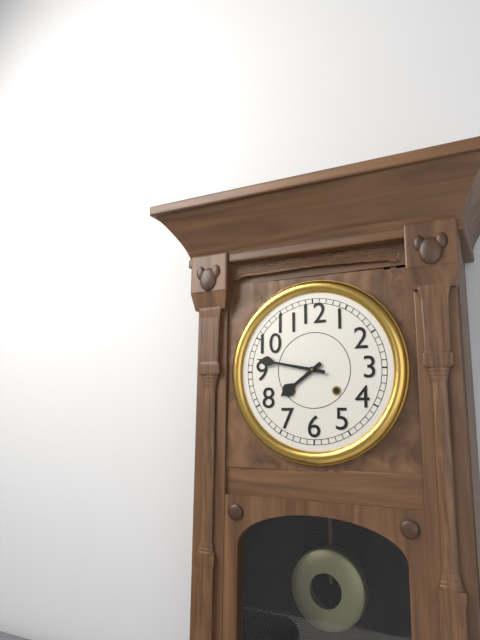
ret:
7:47
